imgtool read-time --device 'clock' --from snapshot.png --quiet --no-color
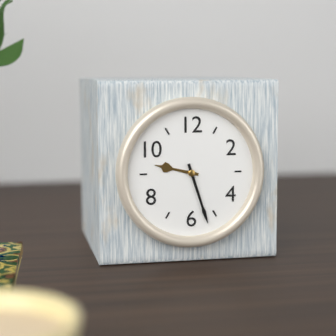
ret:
9:27
